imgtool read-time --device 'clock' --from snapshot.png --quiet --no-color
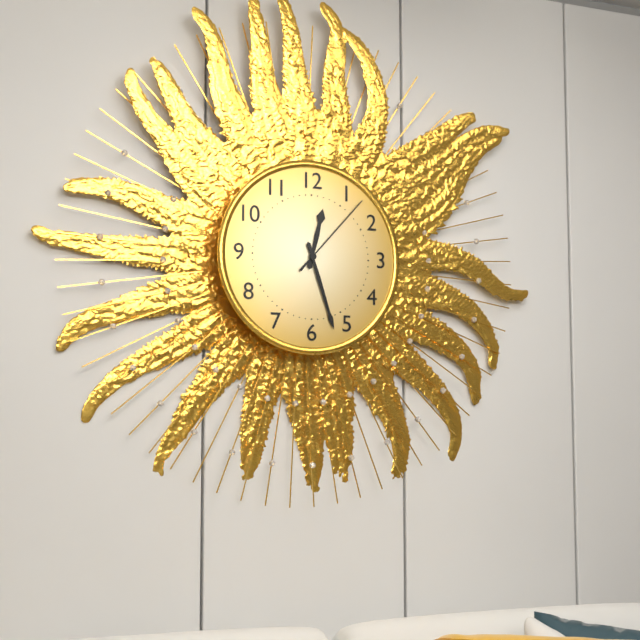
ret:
12:27:07
